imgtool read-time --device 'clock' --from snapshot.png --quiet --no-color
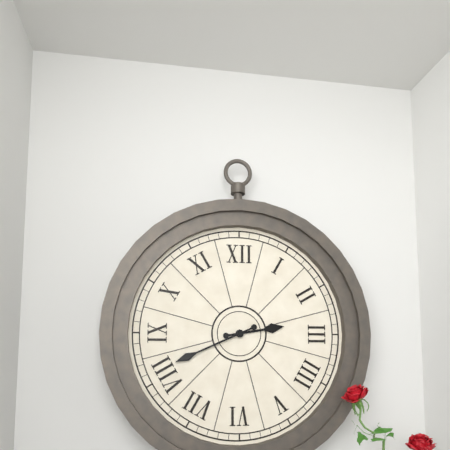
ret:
2:41
